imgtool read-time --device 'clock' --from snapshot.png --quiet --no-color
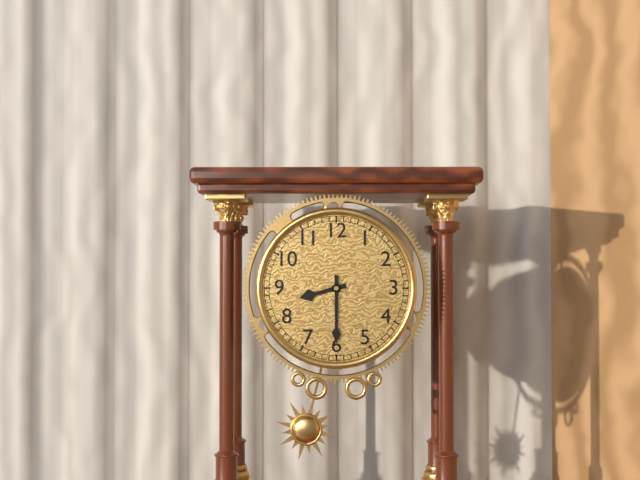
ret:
8:30
